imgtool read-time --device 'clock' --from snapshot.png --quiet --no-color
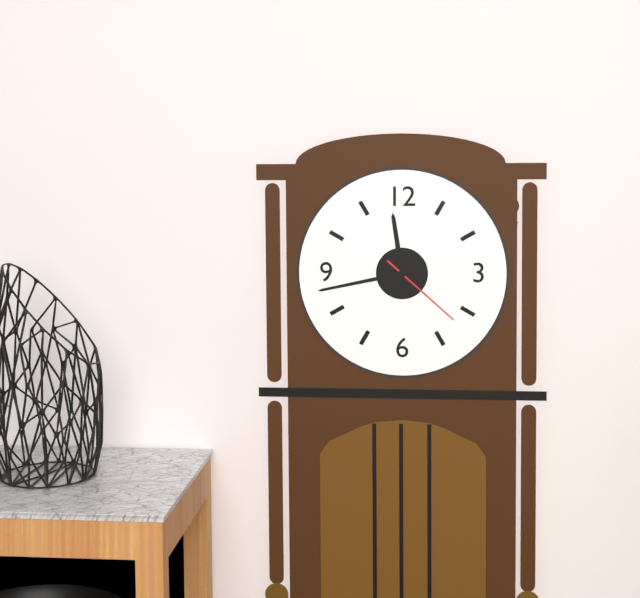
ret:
11:43:22
